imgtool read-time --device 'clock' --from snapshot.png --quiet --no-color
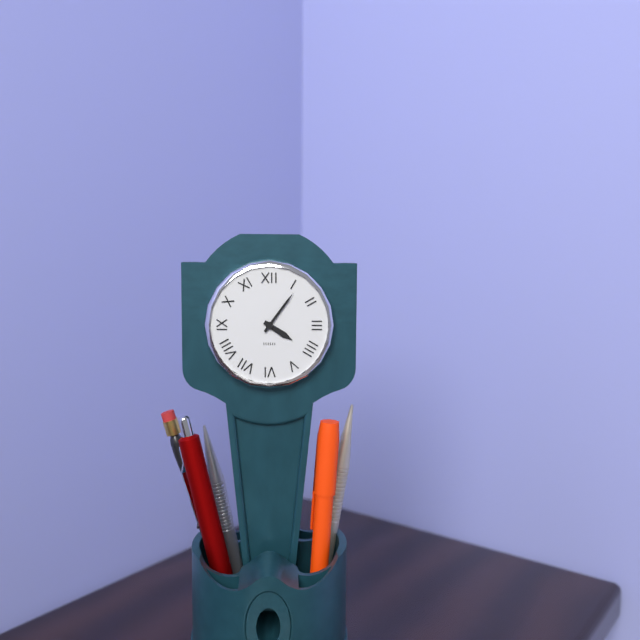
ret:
4:06
